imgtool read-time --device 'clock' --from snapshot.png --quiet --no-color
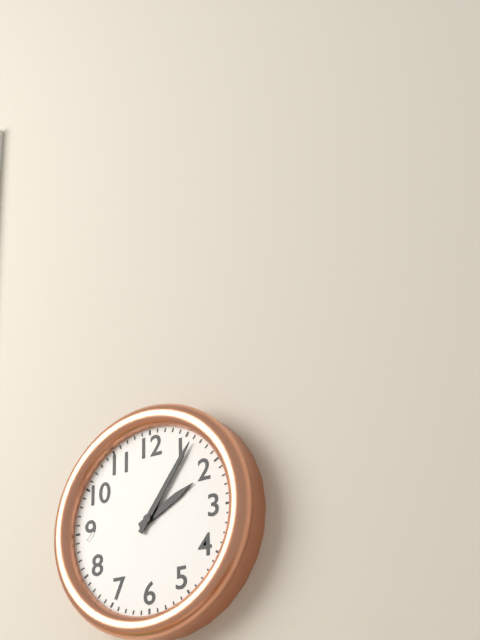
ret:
2:06
